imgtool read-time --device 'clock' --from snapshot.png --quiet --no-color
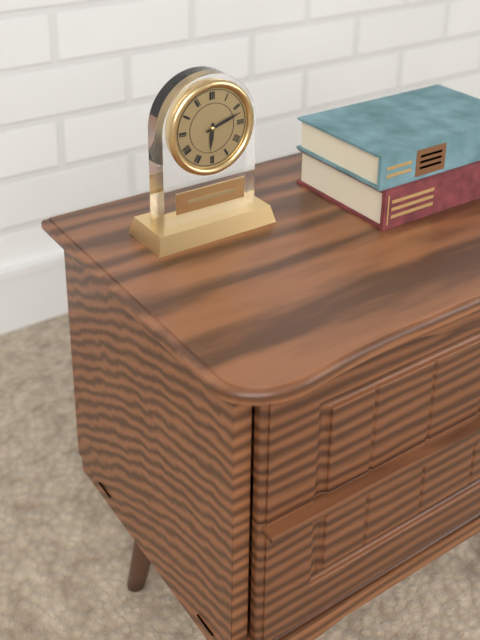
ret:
6:12
